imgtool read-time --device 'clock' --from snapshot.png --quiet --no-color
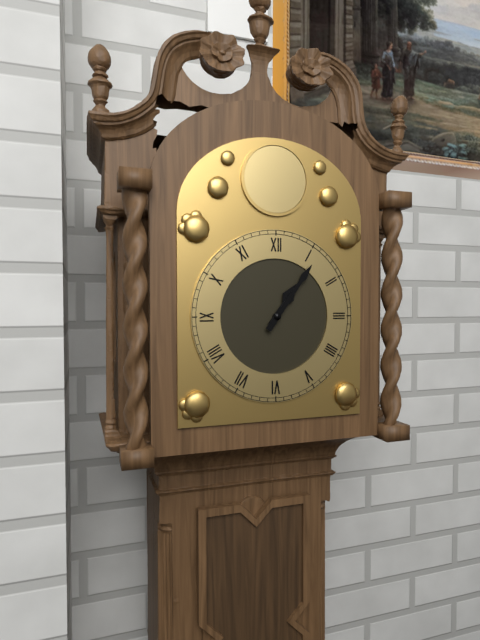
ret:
1:06
